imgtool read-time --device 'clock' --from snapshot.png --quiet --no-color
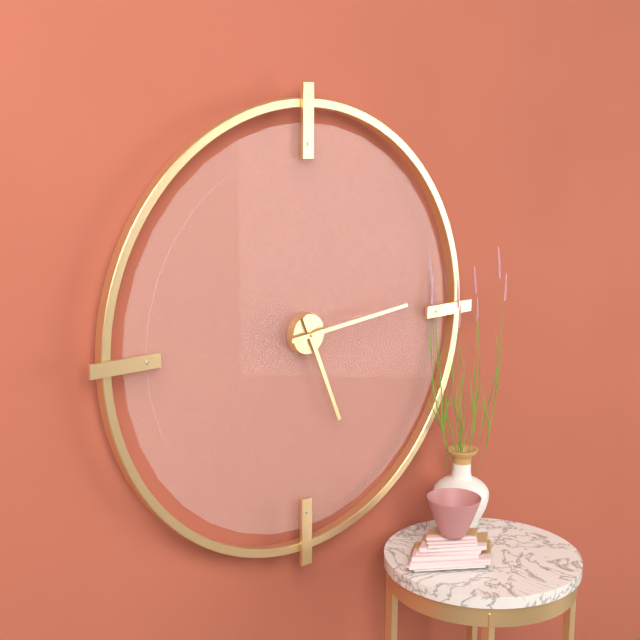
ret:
5:14
